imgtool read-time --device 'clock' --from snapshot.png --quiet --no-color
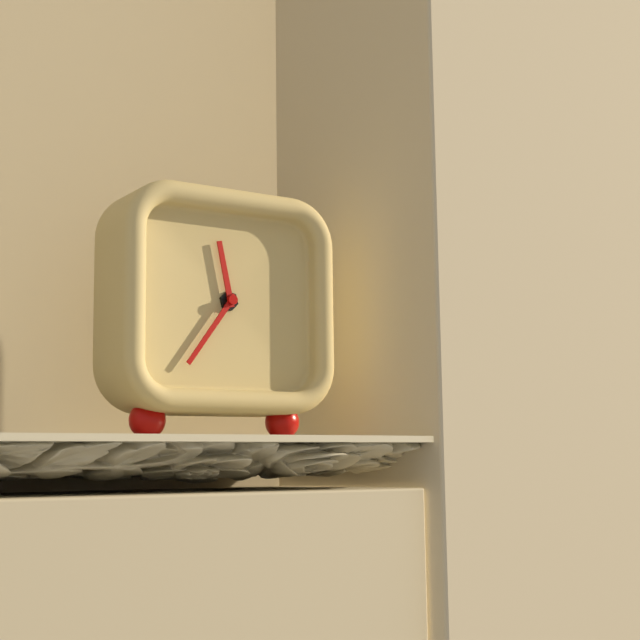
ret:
11:36
